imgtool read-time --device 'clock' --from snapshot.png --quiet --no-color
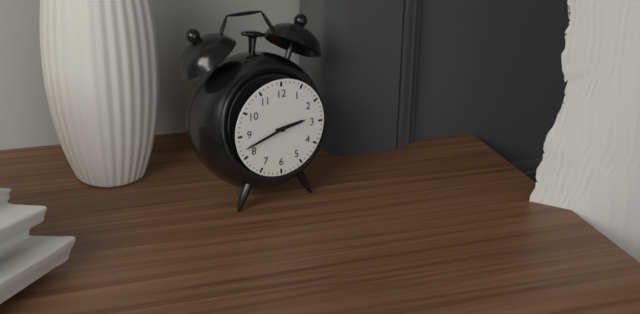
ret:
2:42
